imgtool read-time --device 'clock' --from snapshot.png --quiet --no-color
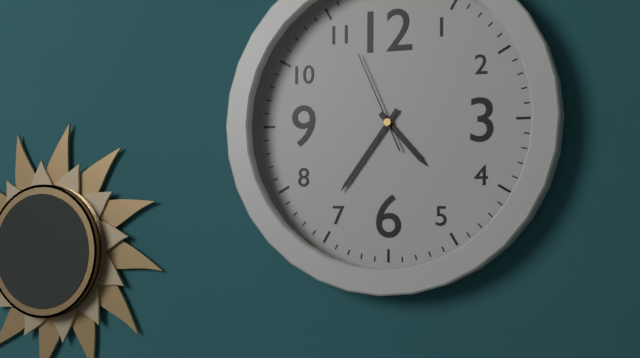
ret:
4:36:56
